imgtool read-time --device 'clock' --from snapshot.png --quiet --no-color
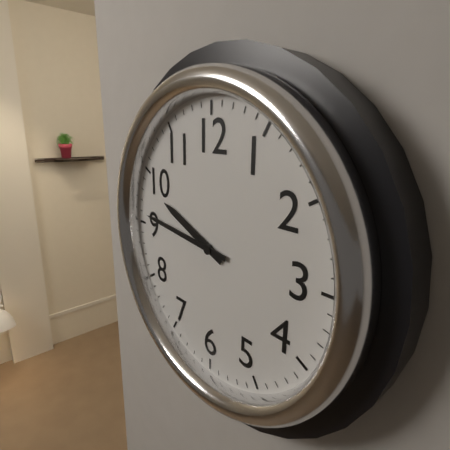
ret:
9:46
